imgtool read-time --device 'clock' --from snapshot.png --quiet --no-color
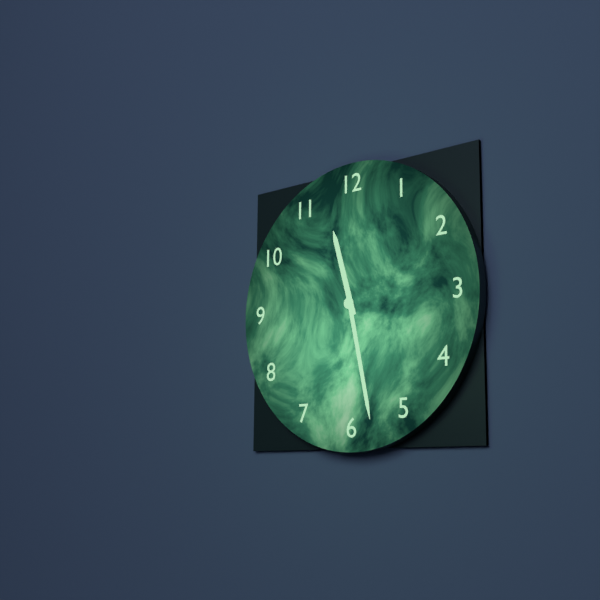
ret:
11:28
